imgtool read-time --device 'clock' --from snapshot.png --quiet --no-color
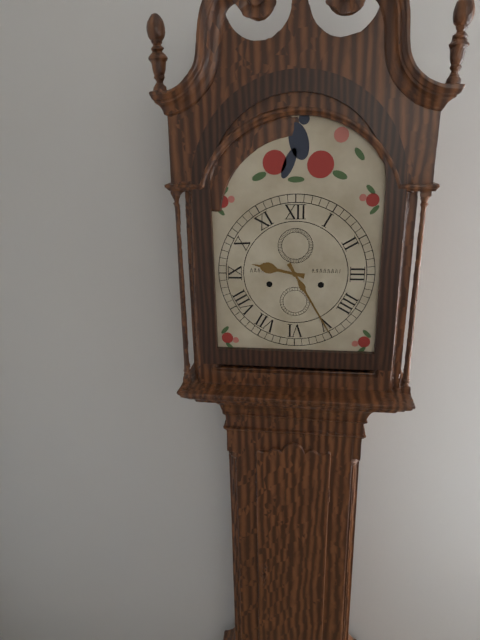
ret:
9:25
